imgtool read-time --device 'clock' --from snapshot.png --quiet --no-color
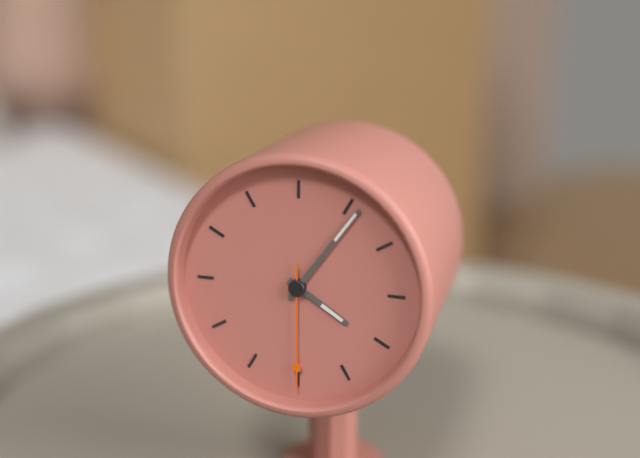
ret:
4:06:30
